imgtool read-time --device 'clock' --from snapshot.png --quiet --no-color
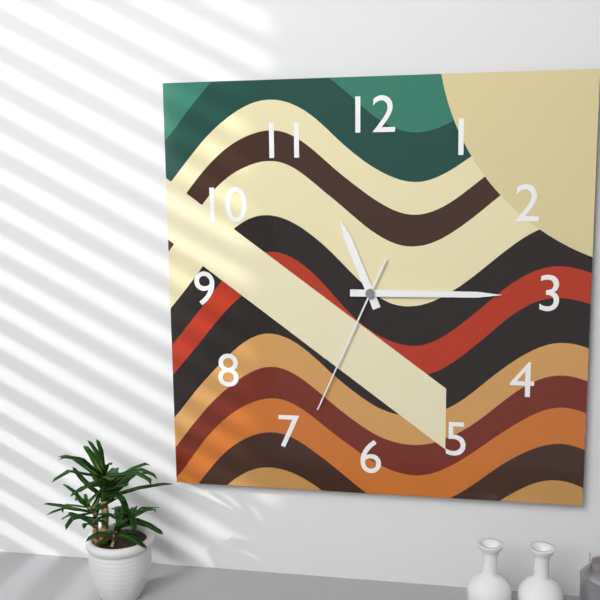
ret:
11:15:34
